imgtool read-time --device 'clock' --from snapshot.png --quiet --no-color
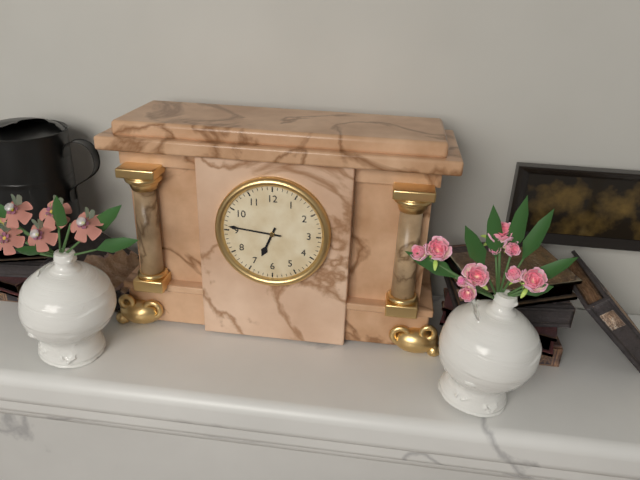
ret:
6:46
